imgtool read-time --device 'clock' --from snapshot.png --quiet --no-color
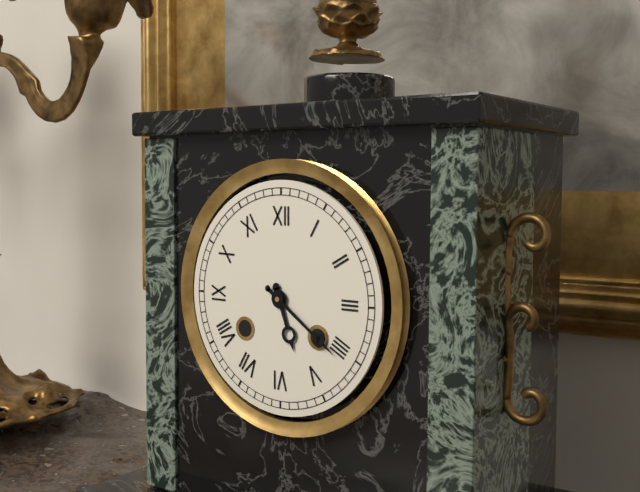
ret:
5:21
